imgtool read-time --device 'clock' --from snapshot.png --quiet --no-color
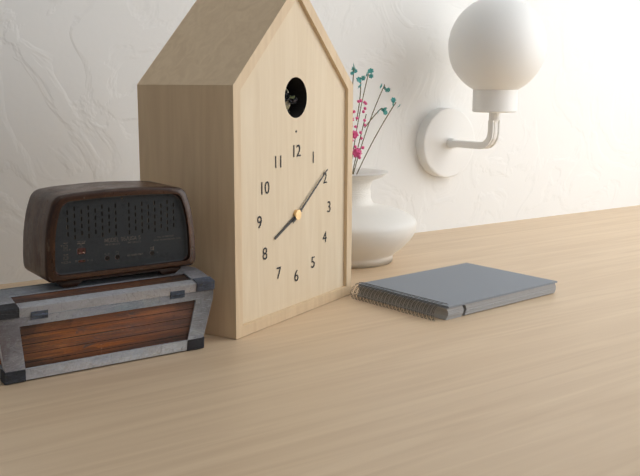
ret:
8:09
